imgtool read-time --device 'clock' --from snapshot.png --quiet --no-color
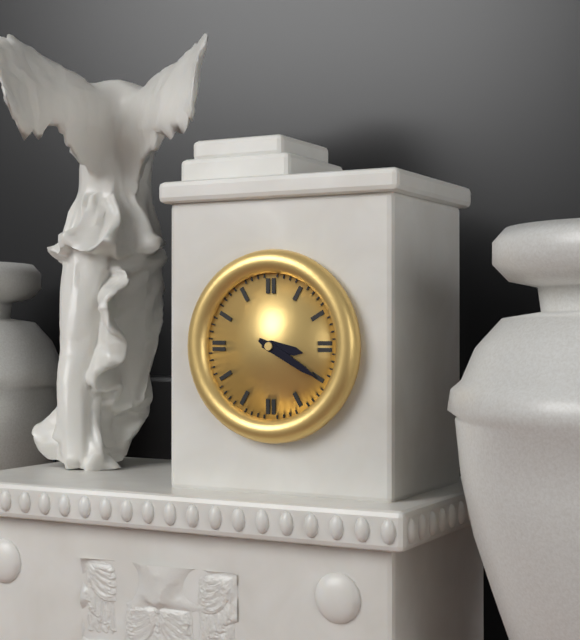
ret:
3:20
